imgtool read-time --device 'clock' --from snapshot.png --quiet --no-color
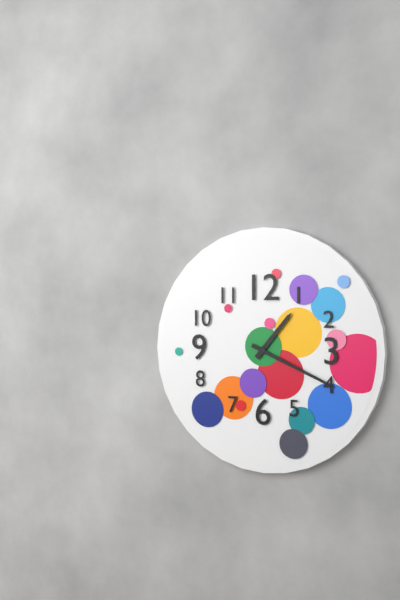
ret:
1:19
